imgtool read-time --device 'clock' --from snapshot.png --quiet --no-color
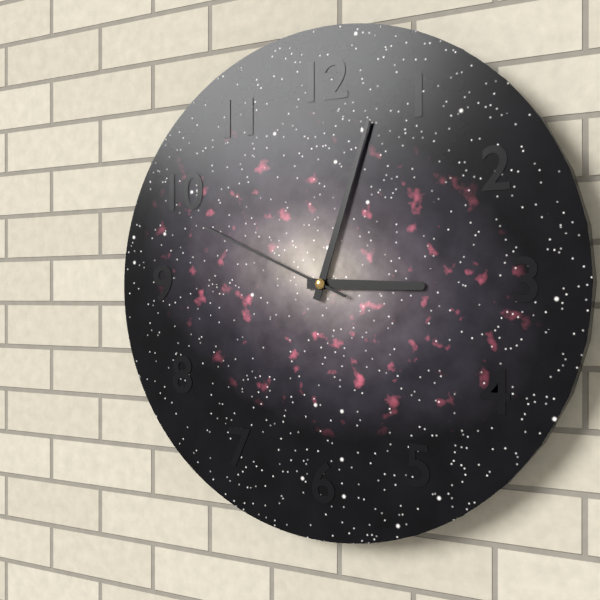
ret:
3:03:49
